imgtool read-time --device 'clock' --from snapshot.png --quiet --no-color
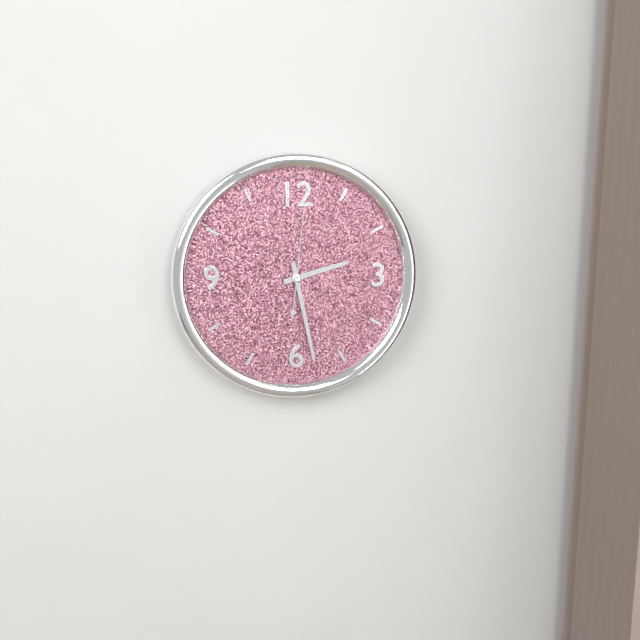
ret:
2:28:01
